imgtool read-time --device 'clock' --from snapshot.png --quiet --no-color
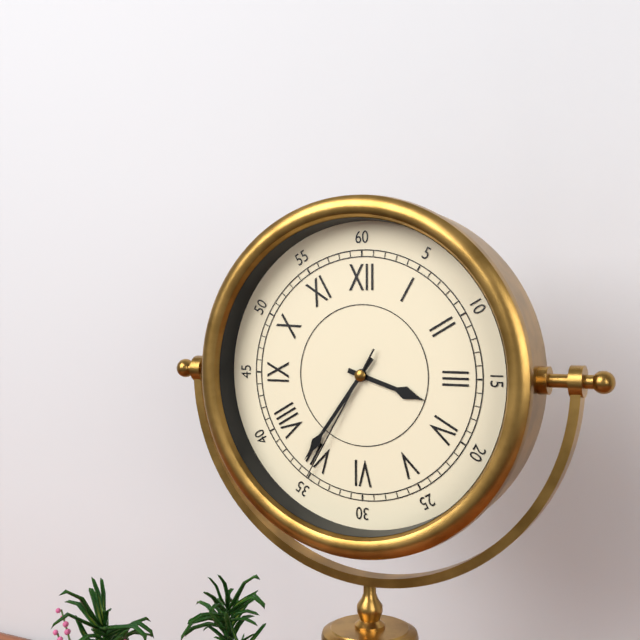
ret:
3:36:35
